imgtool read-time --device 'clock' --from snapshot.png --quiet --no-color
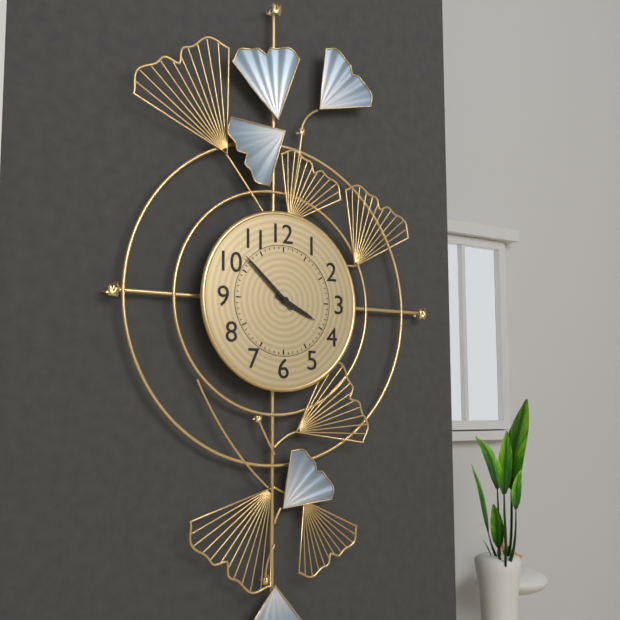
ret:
3:52
